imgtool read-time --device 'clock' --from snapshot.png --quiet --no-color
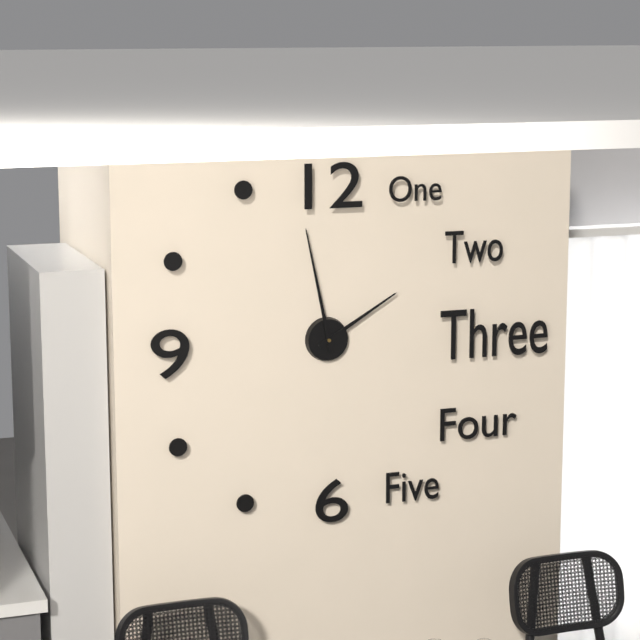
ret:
1:58
